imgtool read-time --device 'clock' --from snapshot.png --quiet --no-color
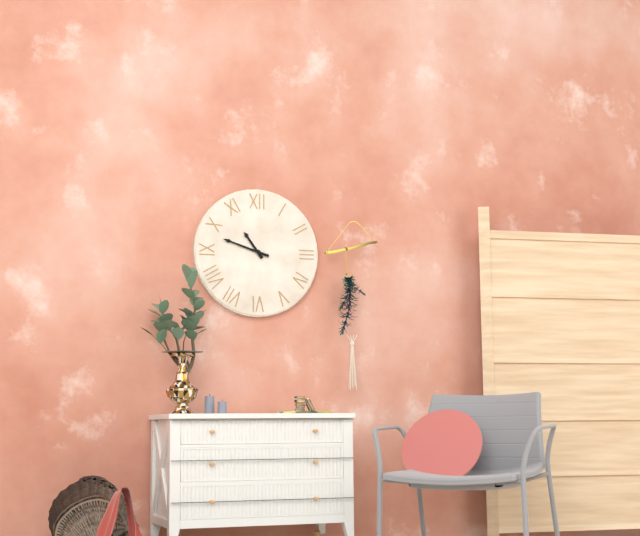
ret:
10:48
